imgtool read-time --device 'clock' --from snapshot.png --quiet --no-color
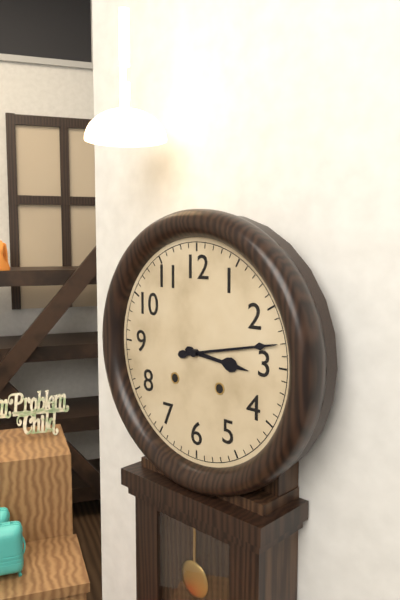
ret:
3:13
